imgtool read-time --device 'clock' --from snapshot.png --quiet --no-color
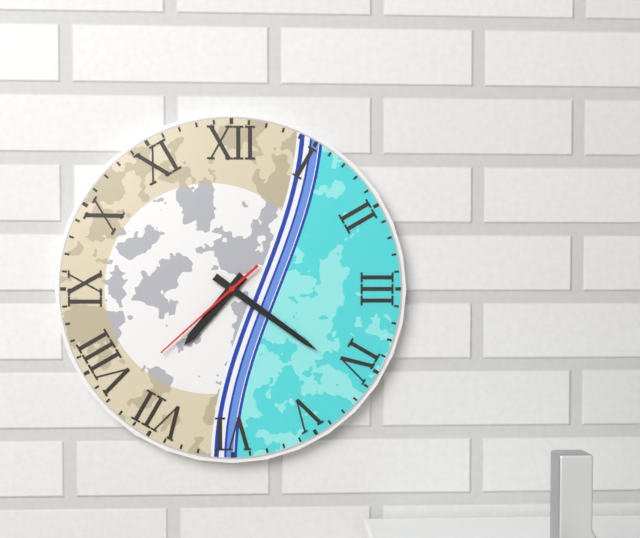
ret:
7:21:38
